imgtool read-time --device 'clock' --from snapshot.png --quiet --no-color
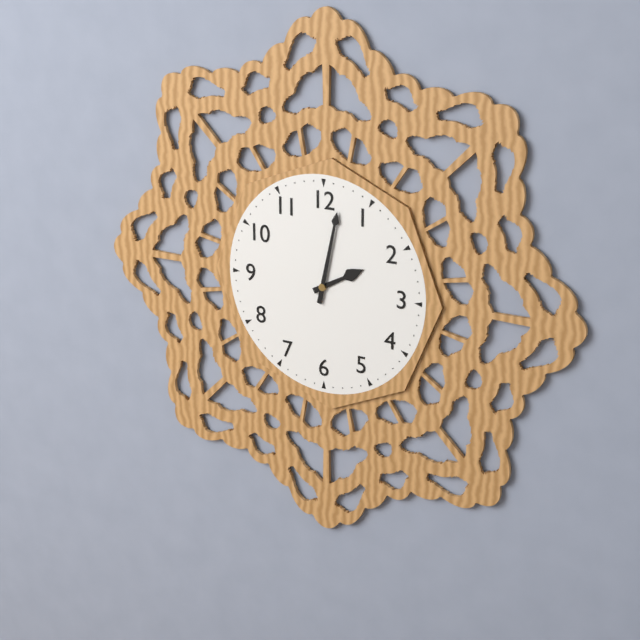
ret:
2:02
